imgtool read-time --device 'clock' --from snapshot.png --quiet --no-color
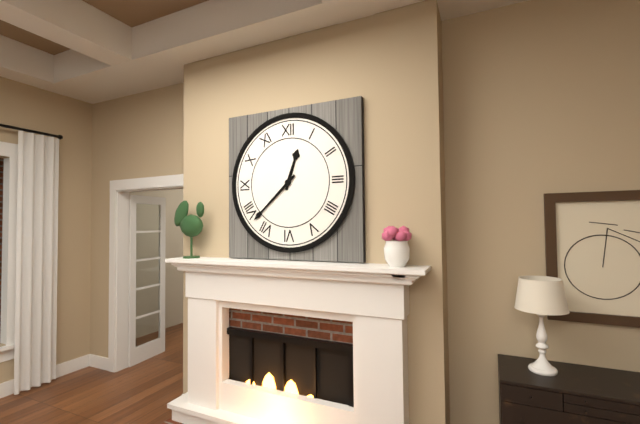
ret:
12:38
